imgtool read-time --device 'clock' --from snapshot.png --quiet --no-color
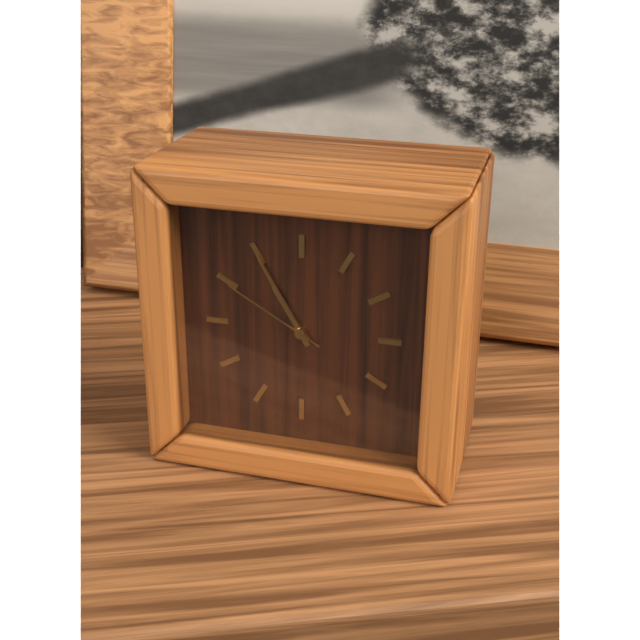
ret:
10:55:50
